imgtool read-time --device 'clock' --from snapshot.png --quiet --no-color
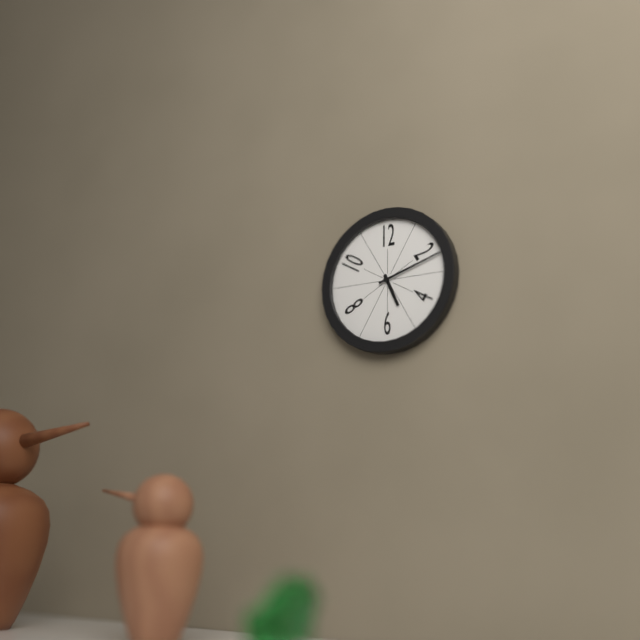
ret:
5:12
